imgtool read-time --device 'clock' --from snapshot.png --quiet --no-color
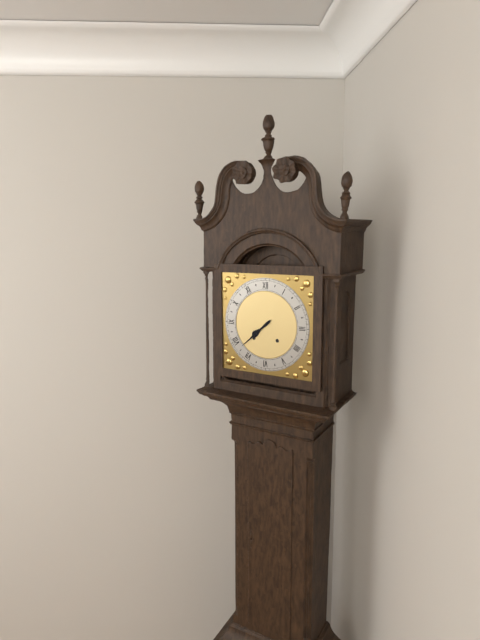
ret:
7:38
